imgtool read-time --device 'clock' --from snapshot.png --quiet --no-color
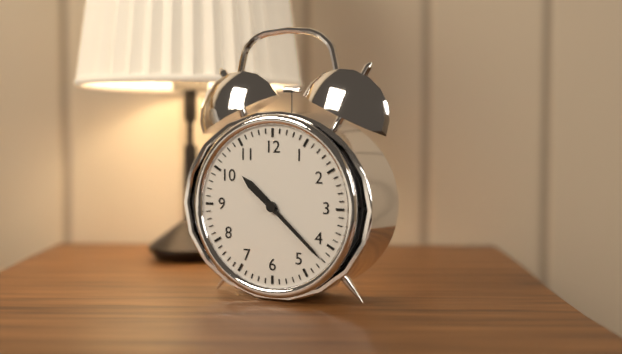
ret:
10:22
